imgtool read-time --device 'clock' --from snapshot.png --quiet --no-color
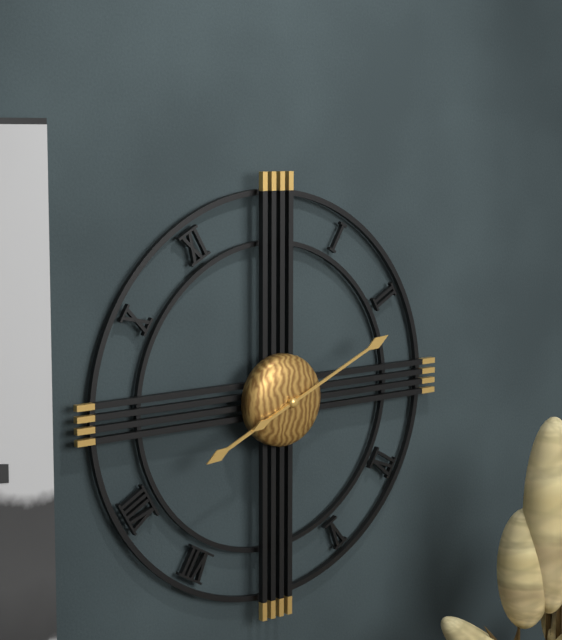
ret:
8:11
